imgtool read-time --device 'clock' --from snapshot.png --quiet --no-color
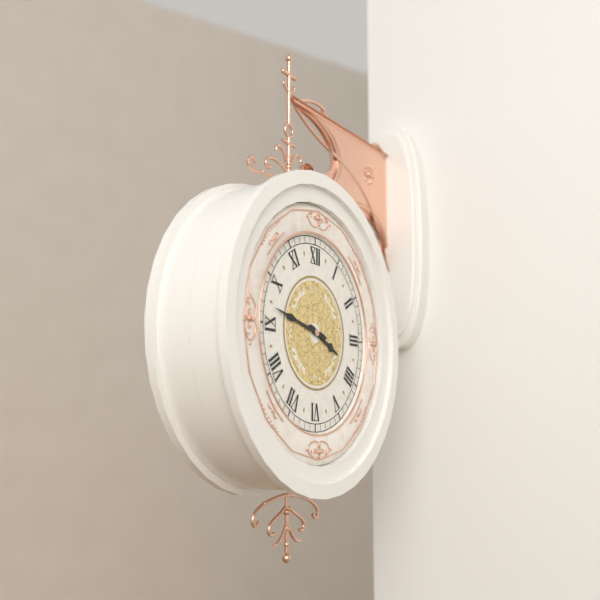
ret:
3:47
